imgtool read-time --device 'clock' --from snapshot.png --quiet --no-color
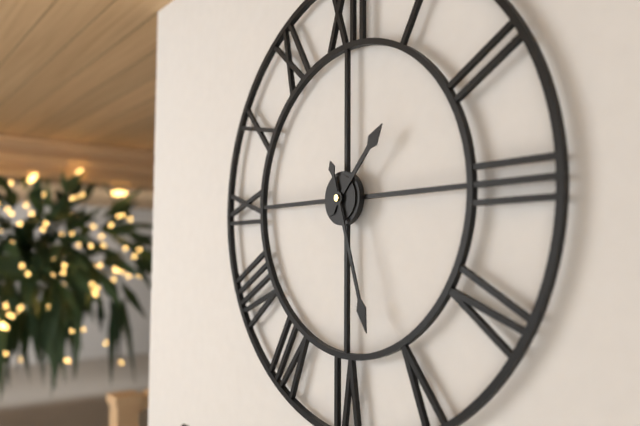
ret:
1:27
